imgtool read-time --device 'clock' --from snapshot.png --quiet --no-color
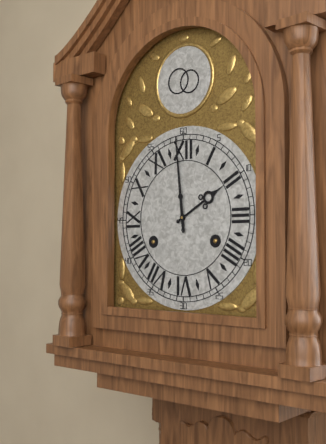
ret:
1:59
